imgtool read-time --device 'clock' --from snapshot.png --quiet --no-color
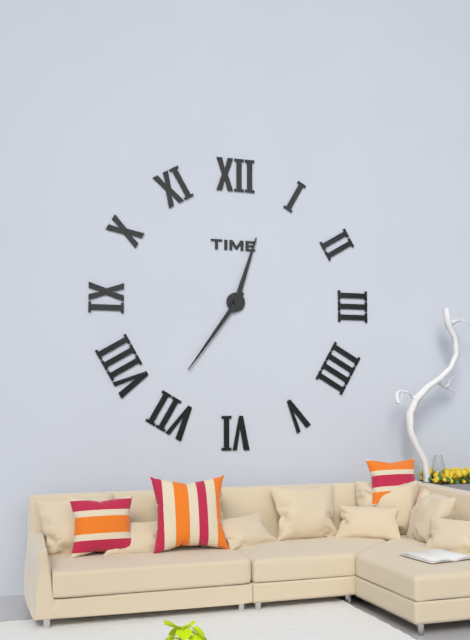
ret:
12:36
